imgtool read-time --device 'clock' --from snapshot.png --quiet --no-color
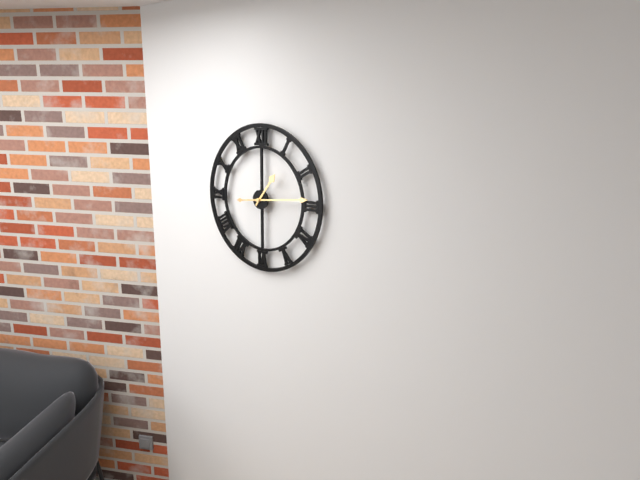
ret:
1:14
